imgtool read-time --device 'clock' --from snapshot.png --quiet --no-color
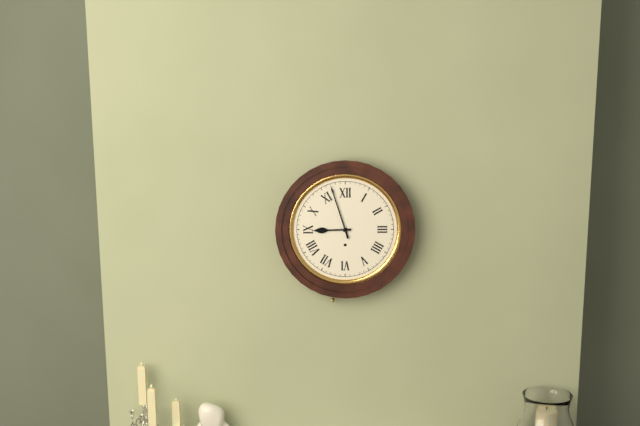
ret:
8:57
